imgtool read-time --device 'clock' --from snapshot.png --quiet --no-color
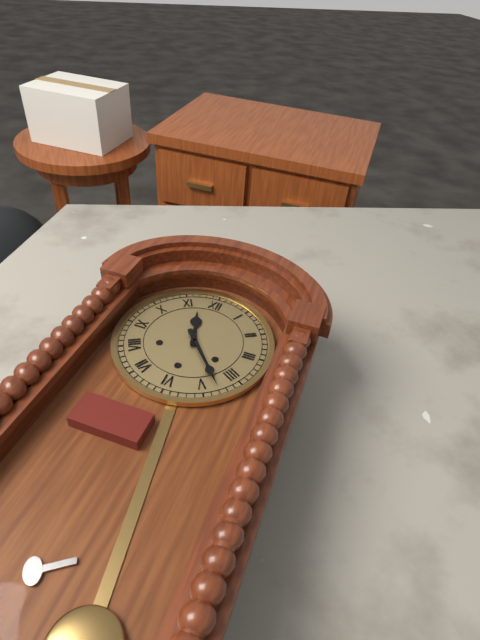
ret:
11:23
